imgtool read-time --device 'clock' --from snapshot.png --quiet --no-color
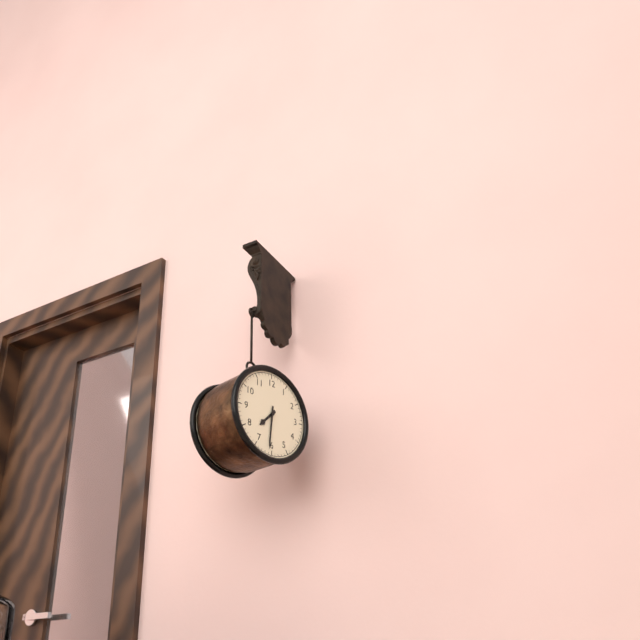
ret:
7:31
